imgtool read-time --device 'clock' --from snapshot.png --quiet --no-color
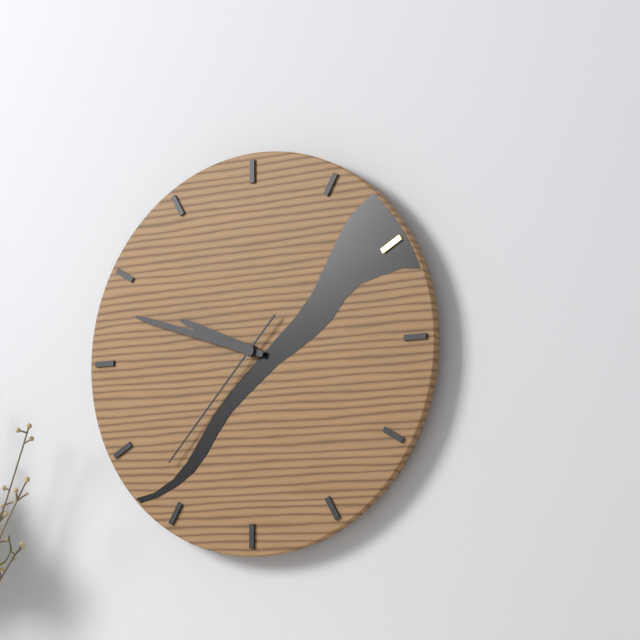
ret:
9:48:37
